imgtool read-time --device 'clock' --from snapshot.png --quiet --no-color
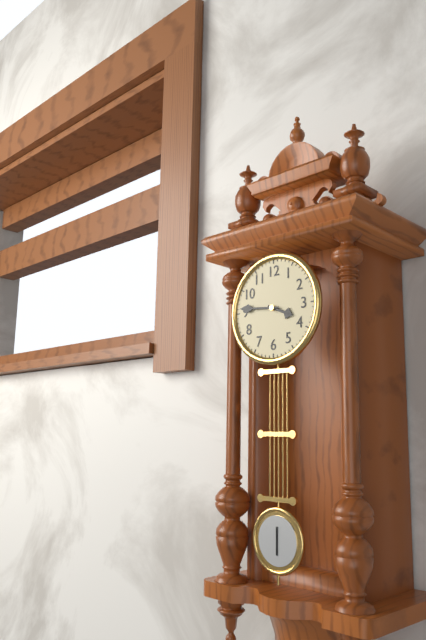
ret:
3:46
